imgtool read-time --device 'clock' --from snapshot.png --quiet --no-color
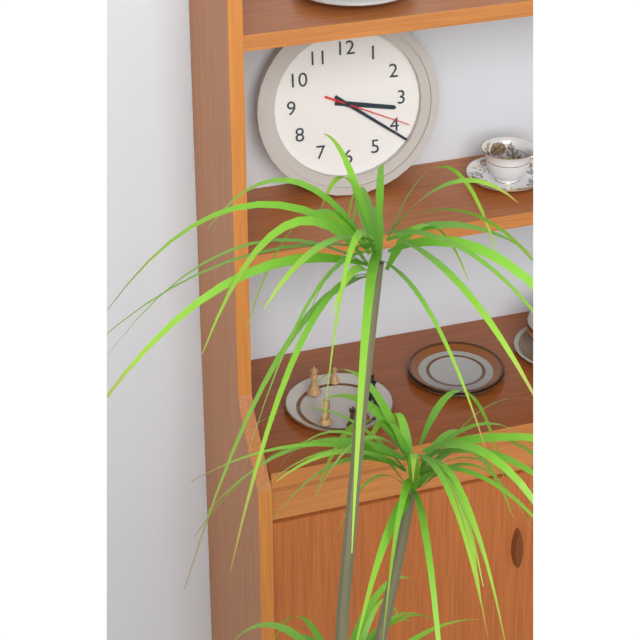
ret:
3:21:19
